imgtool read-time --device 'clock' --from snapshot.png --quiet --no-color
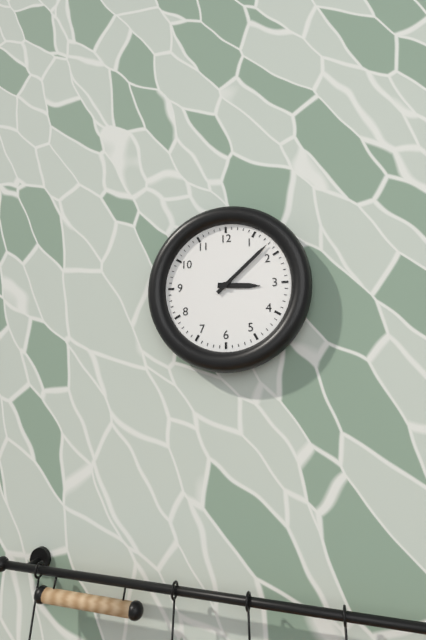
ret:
3:08
